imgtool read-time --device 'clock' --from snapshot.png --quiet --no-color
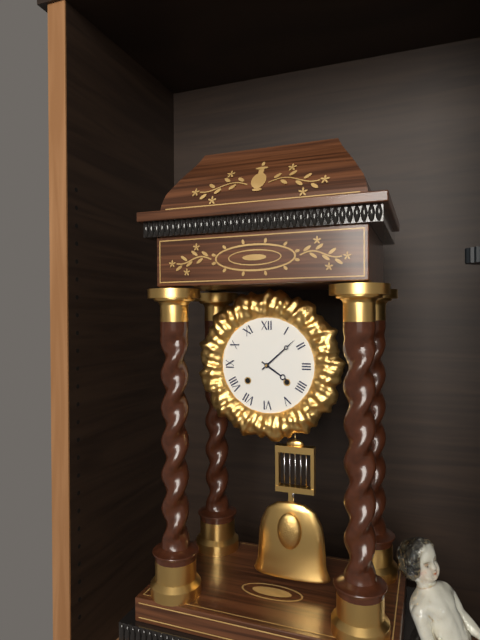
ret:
4:08
